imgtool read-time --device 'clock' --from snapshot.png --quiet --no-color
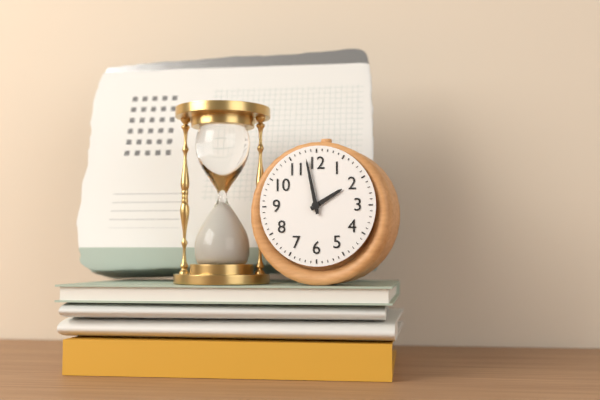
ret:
1:58
